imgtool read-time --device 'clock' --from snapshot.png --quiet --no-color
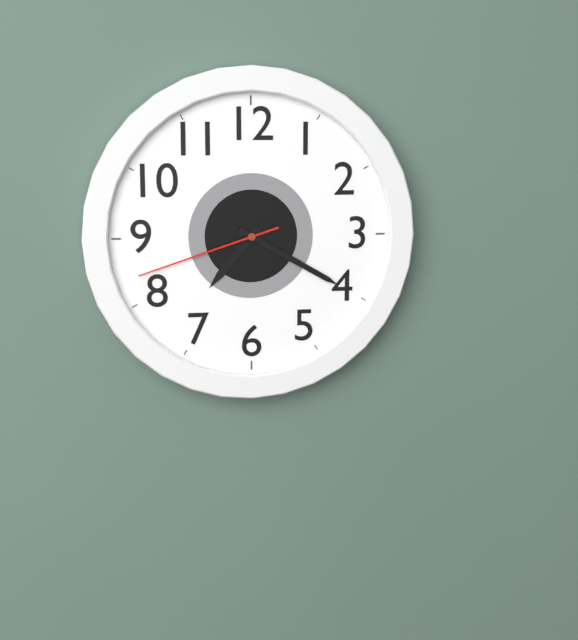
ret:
7:20:42
